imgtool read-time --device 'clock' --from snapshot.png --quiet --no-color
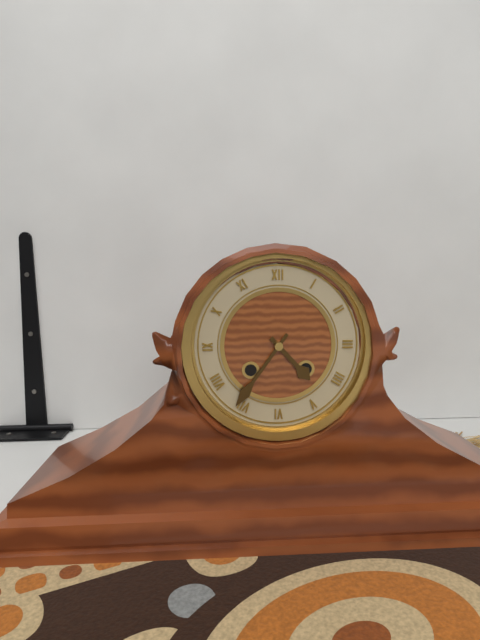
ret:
4:36
